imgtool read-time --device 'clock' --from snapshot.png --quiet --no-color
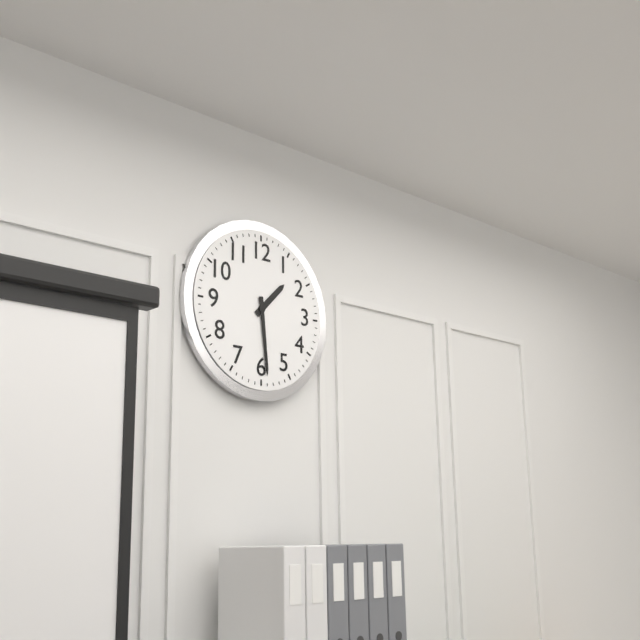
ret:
1:29
